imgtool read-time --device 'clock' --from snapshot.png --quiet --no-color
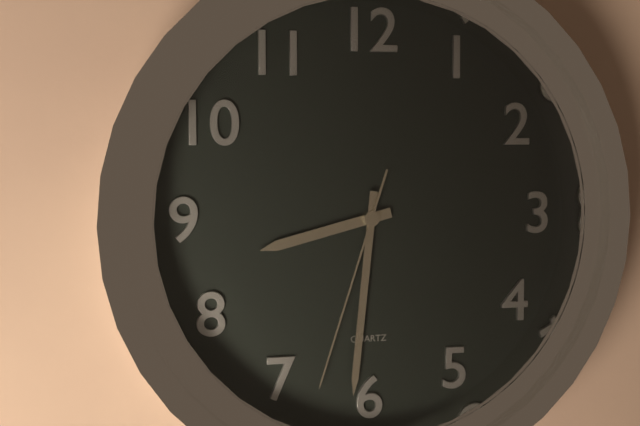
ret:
8:31:33
